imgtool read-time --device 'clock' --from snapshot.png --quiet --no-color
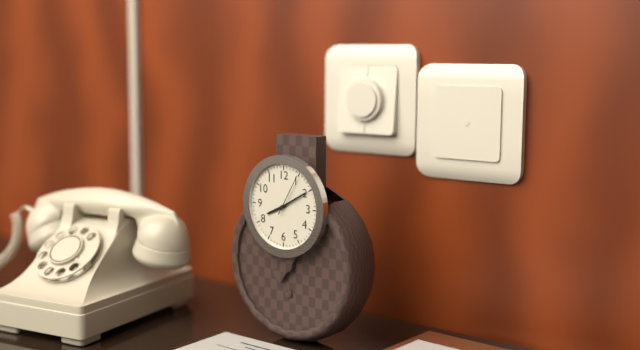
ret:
8:10
